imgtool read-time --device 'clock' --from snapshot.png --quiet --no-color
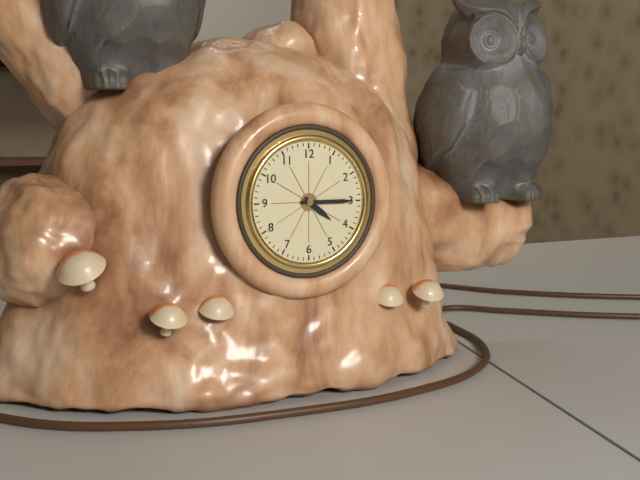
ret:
4:15
